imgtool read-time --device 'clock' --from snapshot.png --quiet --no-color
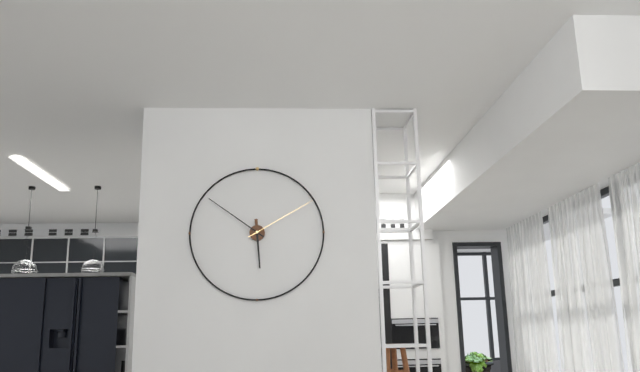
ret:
5:51:10
